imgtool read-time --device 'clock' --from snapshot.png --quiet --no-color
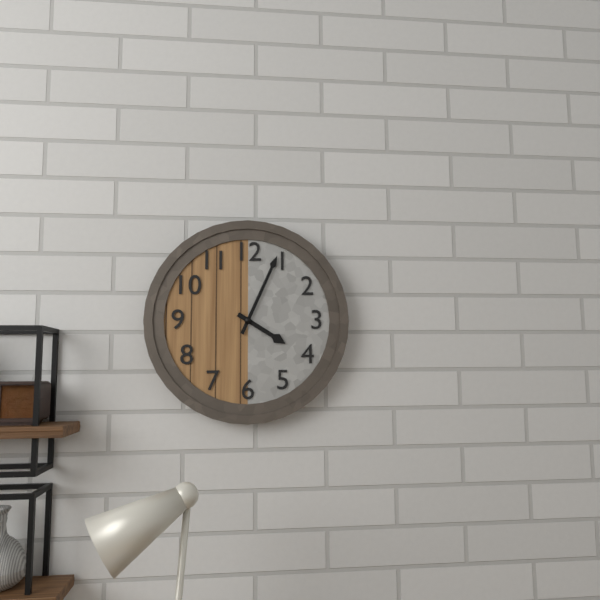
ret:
4:04
